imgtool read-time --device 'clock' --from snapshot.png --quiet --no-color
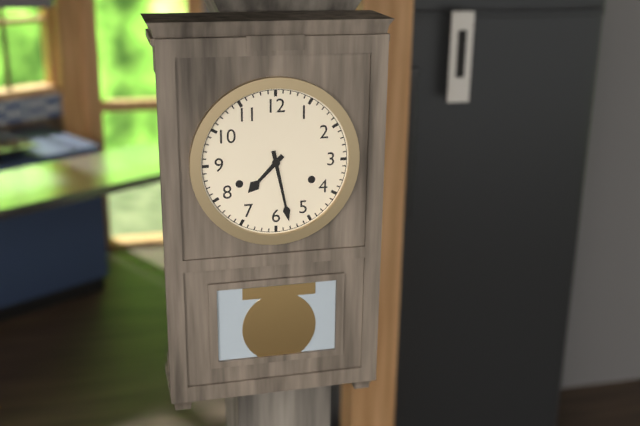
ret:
7:28
